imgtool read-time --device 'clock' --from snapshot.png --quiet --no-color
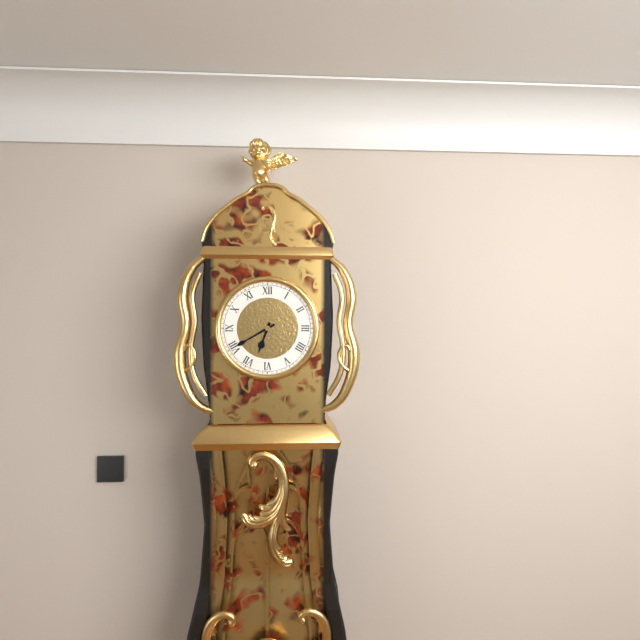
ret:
6:40
